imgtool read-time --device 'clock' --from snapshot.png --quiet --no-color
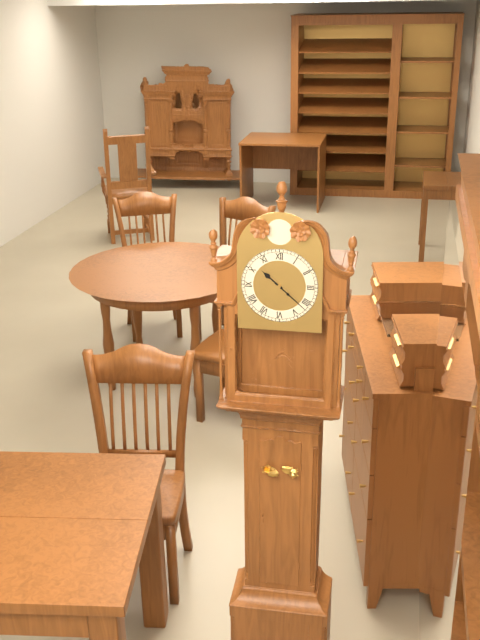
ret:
10:22
